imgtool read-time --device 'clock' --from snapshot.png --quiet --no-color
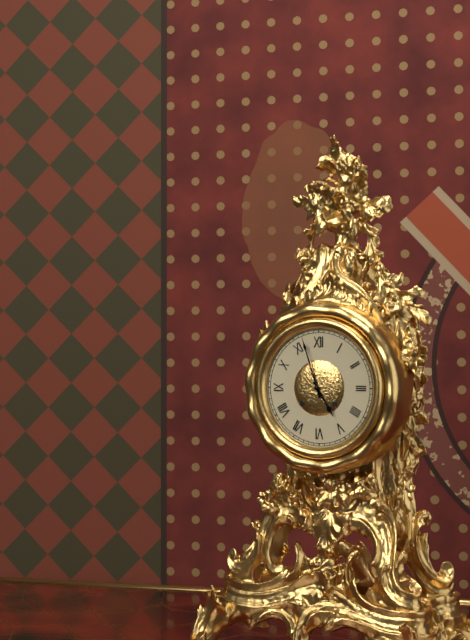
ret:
4:57
